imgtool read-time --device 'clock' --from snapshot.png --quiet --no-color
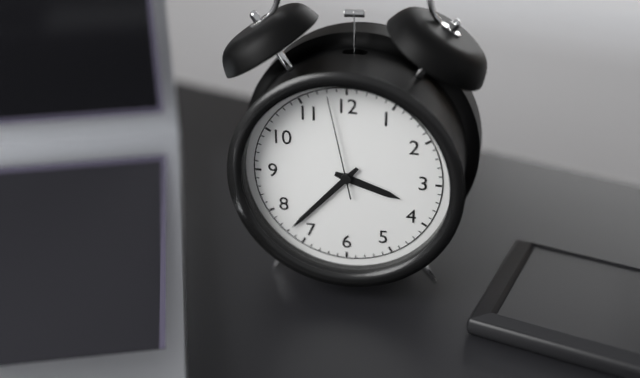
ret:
3:37:58
